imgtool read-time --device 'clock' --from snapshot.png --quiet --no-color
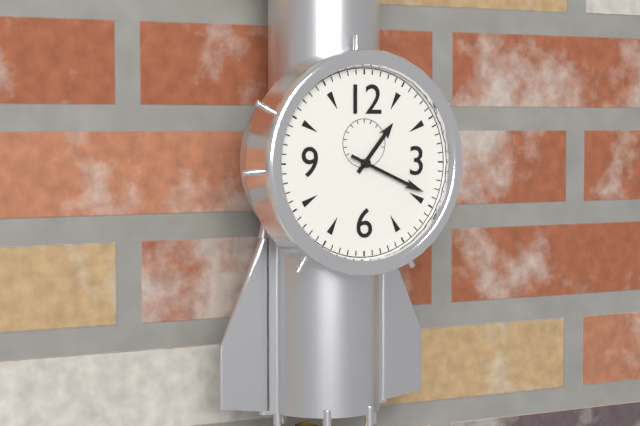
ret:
1:19
